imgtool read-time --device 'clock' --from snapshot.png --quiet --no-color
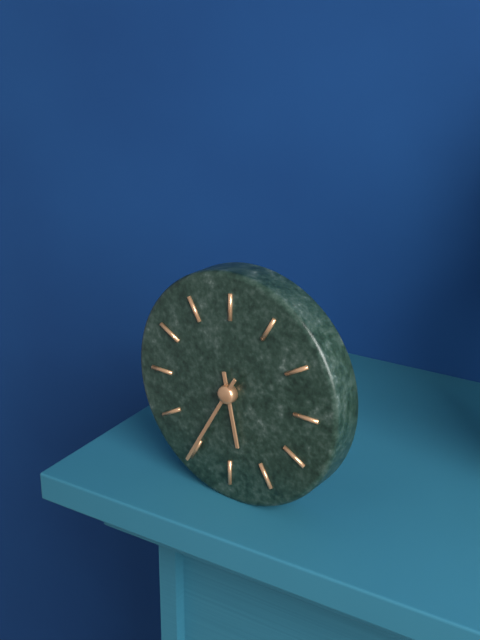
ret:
5:35
